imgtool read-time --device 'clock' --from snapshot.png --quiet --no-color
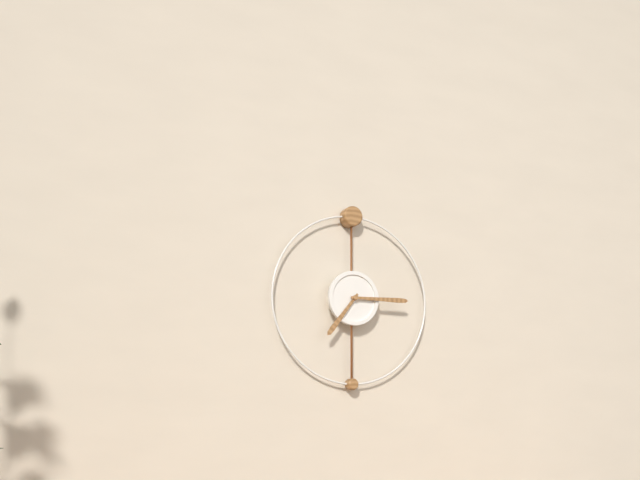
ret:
7:15
